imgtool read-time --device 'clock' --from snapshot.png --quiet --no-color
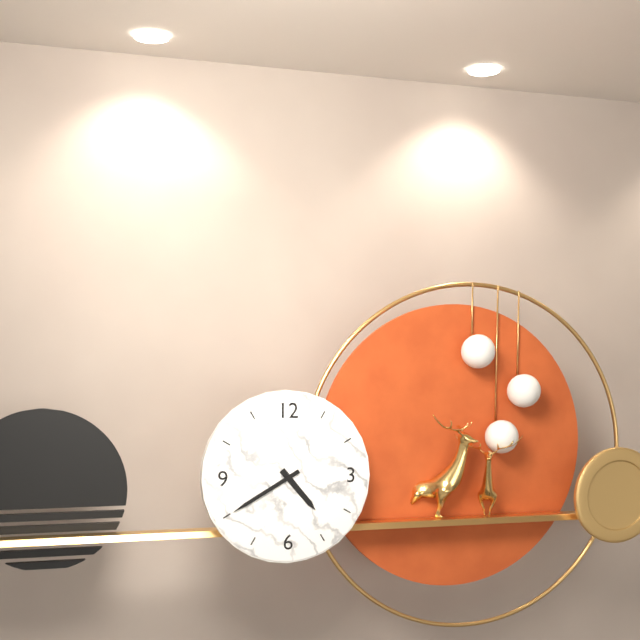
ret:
4:40
